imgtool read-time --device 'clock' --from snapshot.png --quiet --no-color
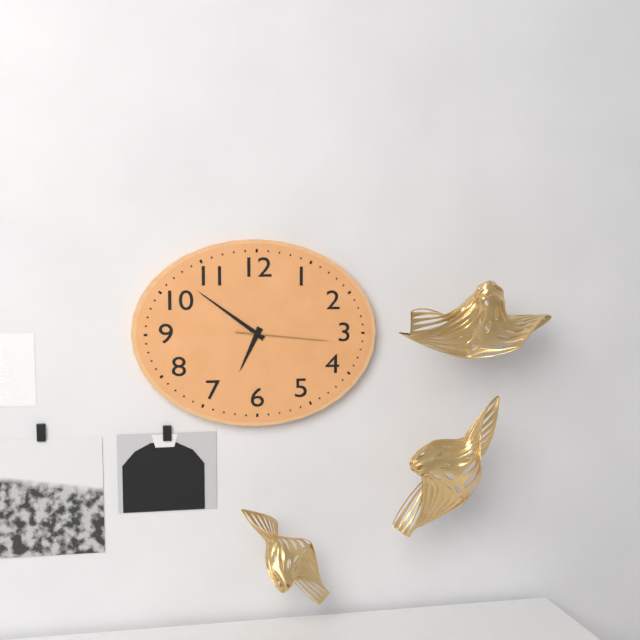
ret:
6:51:16
